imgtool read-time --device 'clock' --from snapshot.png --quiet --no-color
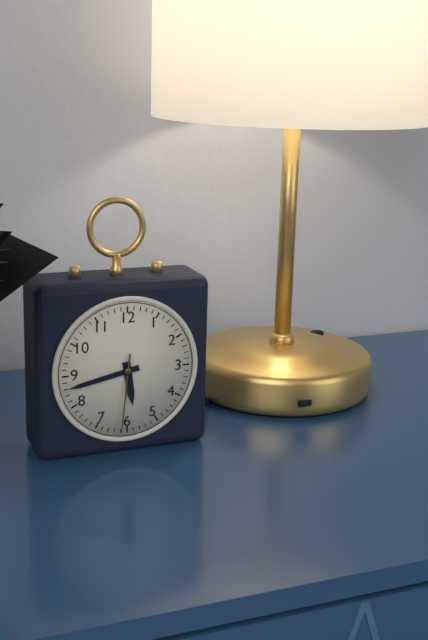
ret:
5:43:31
